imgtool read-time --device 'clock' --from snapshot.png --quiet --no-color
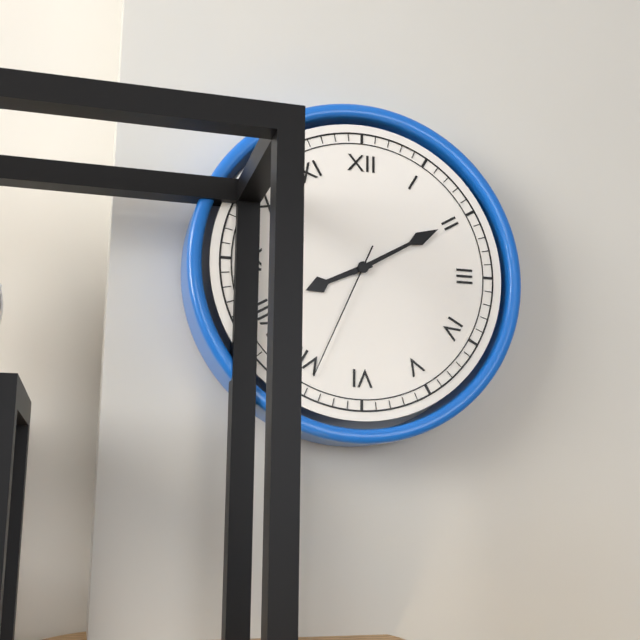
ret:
8:10:34
